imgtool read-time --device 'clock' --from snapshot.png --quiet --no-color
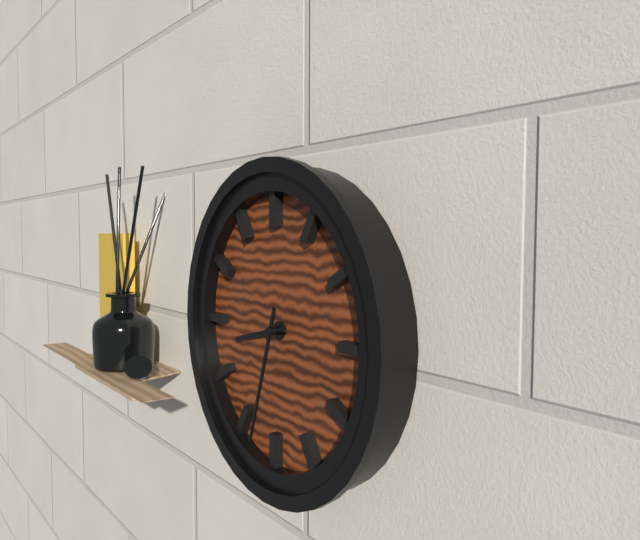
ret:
8:33
